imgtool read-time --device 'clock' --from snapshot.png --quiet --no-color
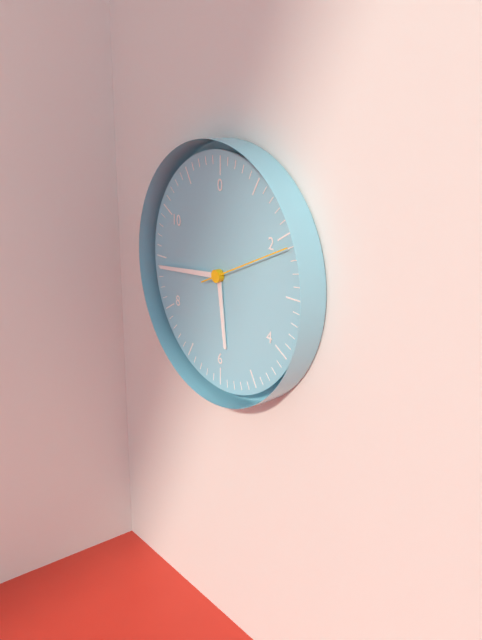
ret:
5:44:11
